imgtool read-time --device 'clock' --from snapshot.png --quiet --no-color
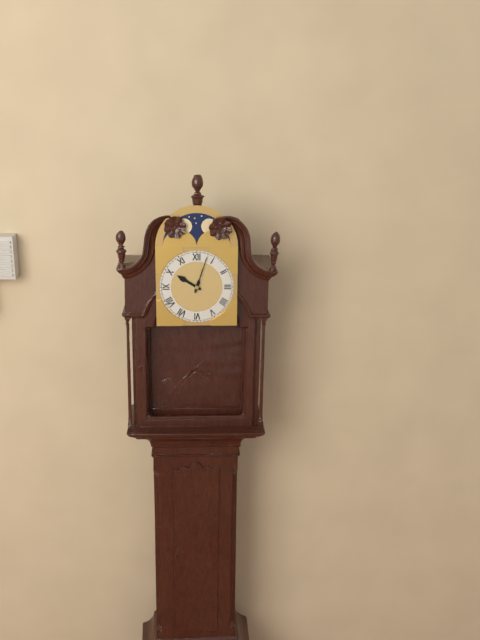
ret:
10:03
